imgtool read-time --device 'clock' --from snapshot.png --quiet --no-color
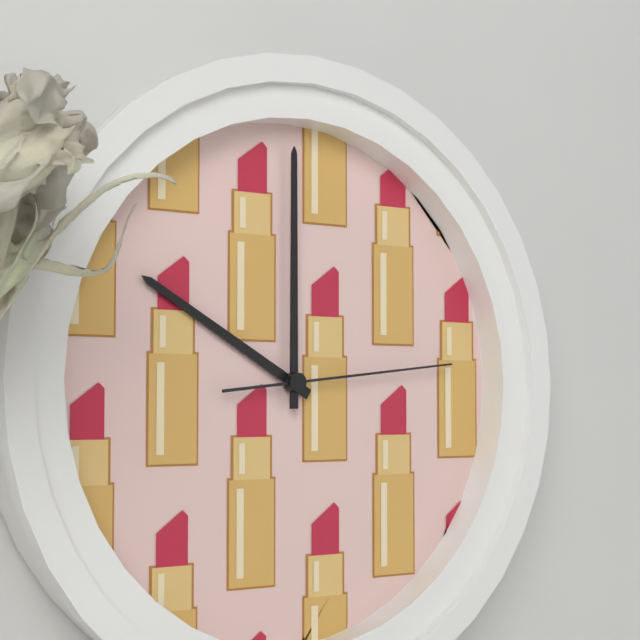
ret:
10:00:14
